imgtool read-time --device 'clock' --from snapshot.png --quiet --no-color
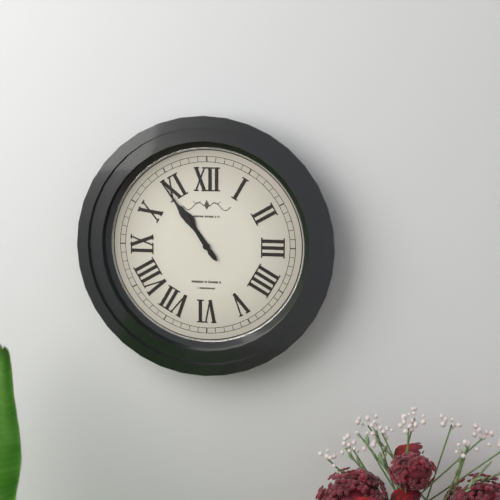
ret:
10:54
